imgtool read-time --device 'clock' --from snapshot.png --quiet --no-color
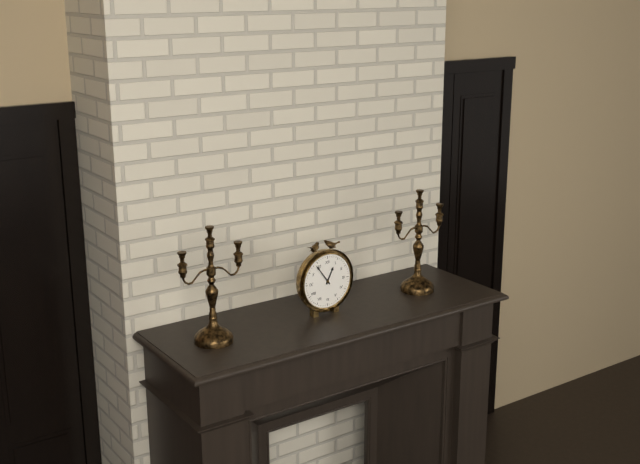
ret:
12:54
